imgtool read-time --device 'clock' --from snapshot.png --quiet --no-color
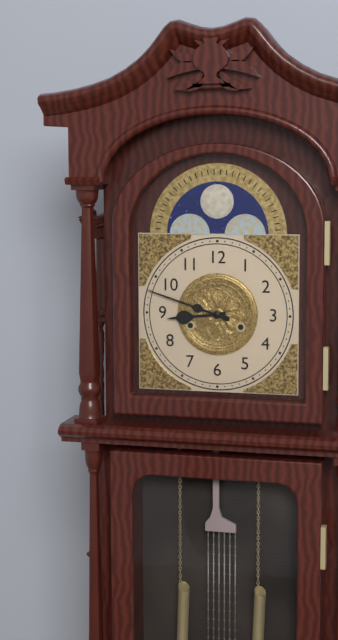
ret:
8:48
